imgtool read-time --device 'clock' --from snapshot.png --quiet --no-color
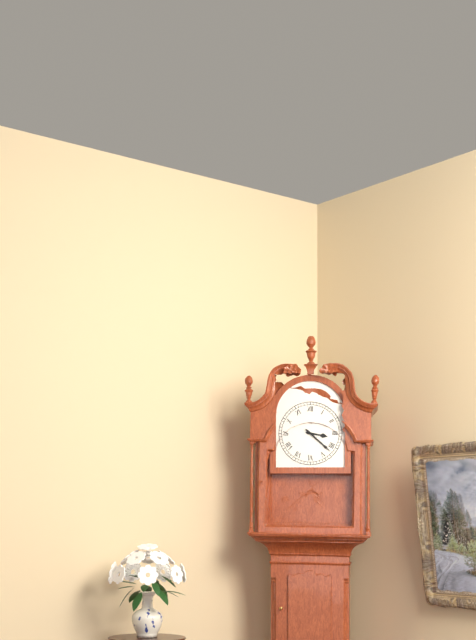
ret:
3:22
